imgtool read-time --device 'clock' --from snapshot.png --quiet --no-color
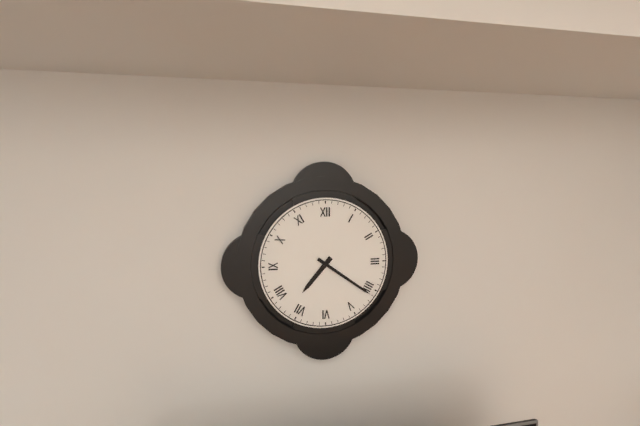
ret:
7:21
